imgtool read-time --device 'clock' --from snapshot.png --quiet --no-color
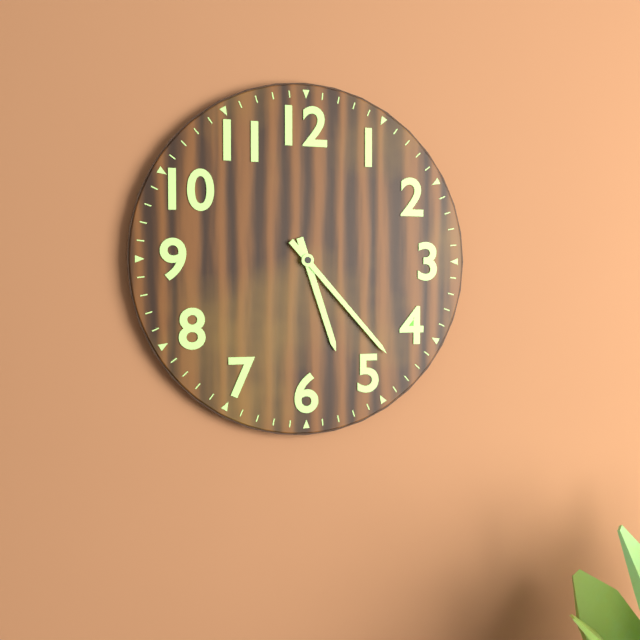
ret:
5:23
